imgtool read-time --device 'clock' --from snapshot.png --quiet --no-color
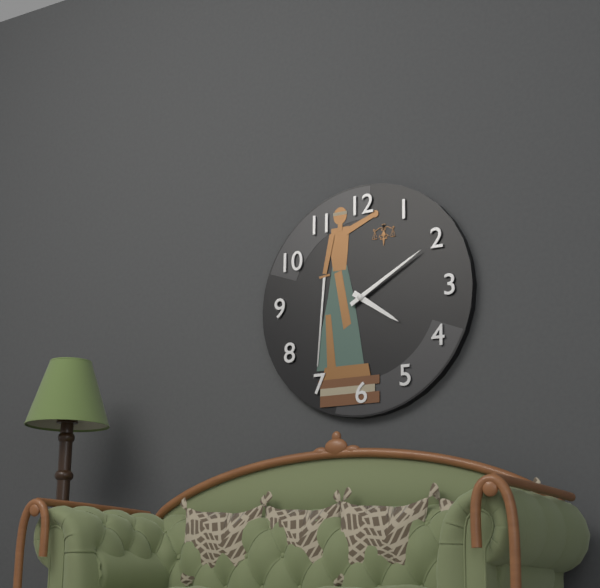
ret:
4:10
